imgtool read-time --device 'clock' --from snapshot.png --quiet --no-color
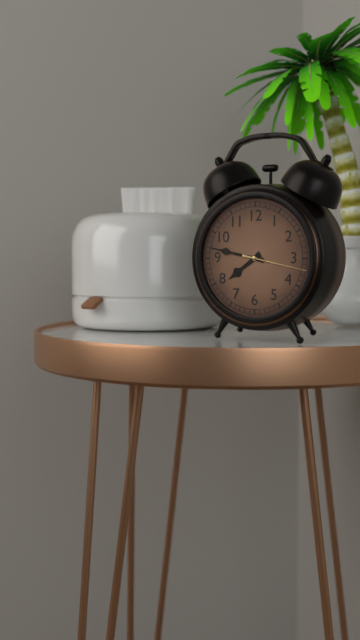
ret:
7:47:17
